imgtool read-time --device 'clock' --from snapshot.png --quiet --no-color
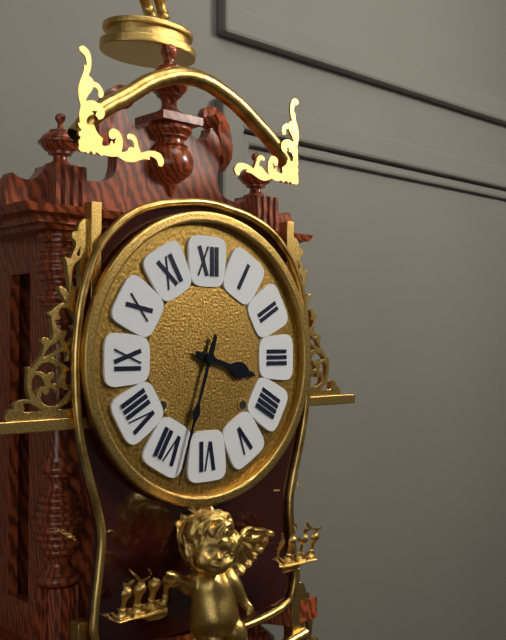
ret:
3:33
